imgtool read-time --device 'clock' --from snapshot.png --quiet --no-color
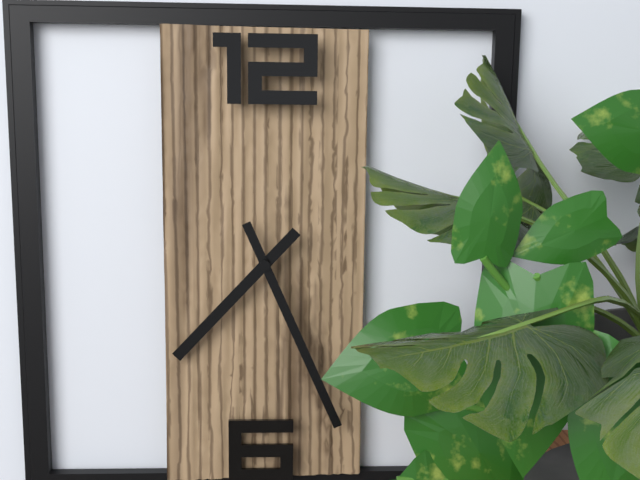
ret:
7:26
